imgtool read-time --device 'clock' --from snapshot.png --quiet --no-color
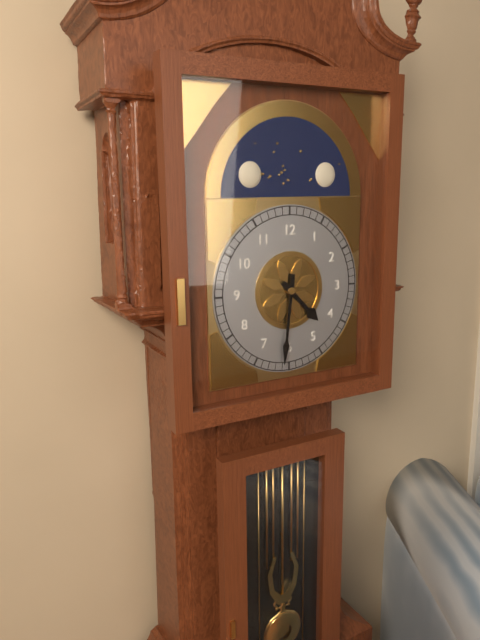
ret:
4:31
